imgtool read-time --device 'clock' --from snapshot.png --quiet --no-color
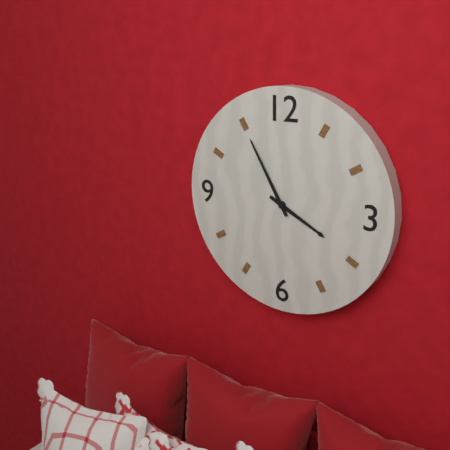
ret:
3:55
